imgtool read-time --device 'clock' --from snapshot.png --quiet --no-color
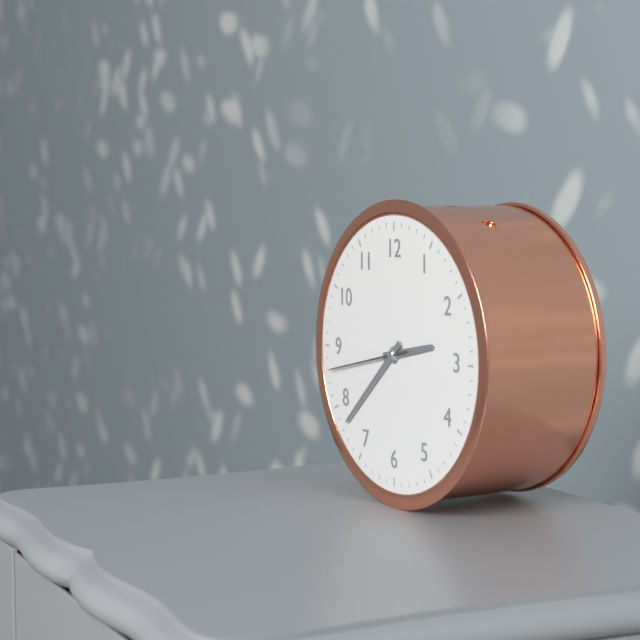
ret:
2:38:43
